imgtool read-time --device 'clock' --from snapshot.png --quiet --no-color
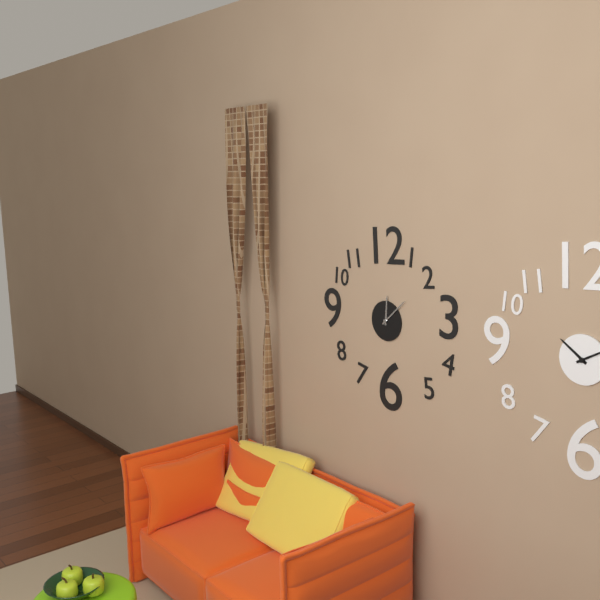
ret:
12:08
